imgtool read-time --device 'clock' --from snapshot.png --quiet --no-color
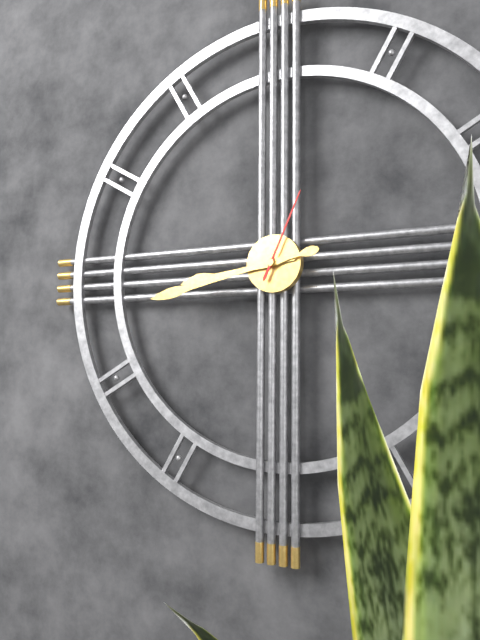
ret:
8:43:04
